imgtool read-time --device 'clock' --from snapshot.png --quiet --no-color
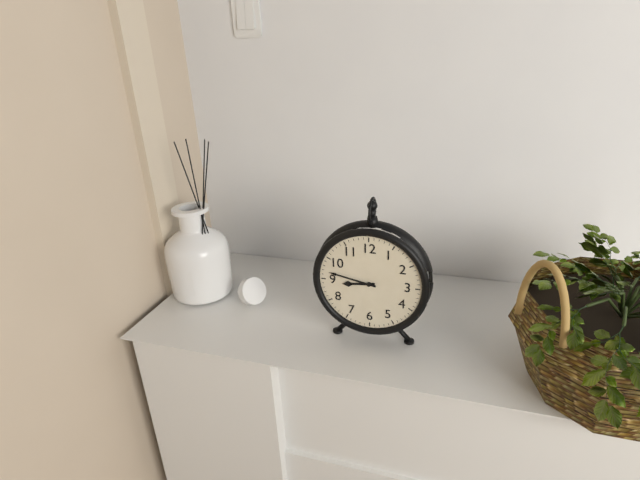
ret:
8:47
